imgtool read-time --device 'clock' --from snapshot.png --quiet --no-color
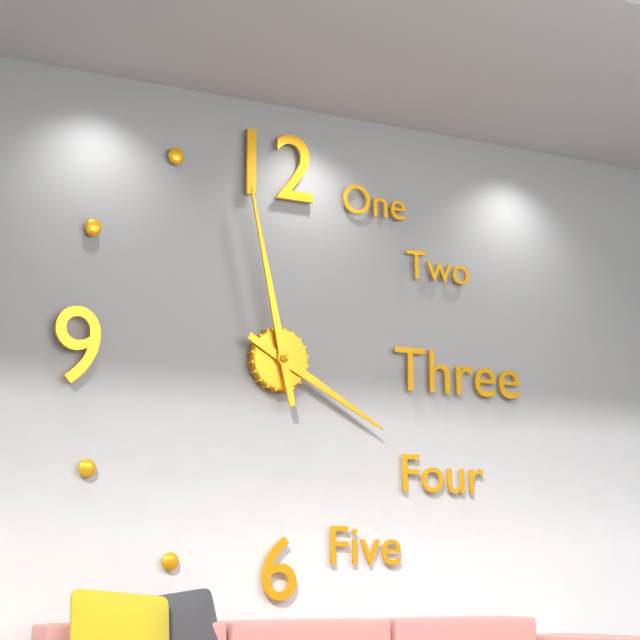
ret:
3:58
